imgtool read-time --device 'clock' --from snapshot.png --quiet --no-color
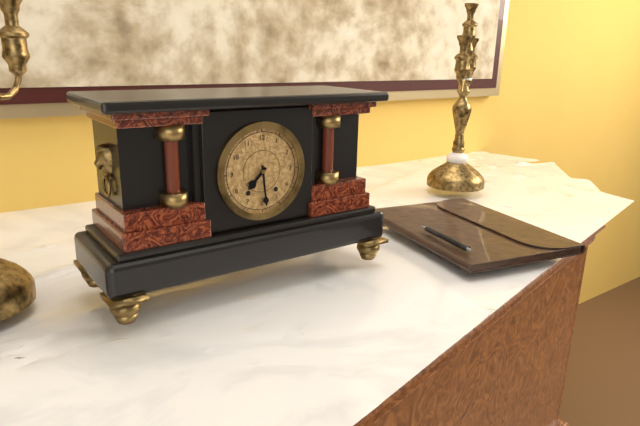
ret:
7:29
